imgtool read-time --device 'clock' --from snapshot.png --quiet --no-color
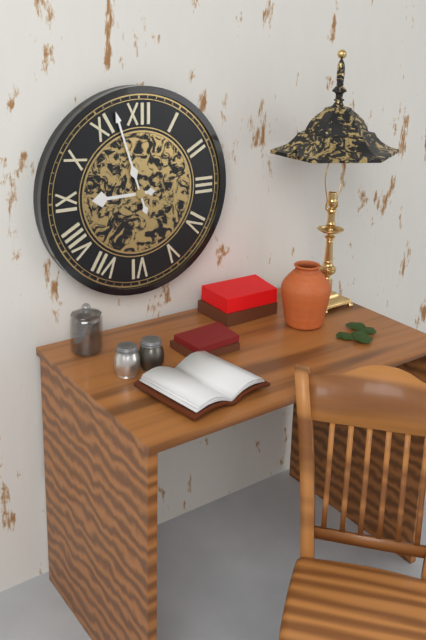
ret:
8:57
